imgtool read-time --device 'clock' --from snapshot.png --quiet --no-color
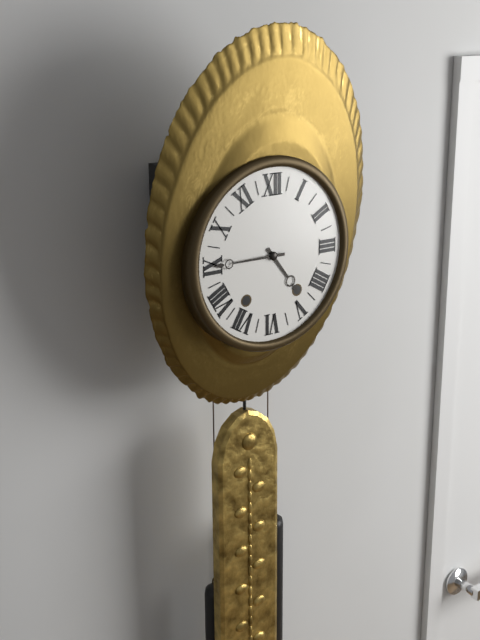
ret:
4:45
